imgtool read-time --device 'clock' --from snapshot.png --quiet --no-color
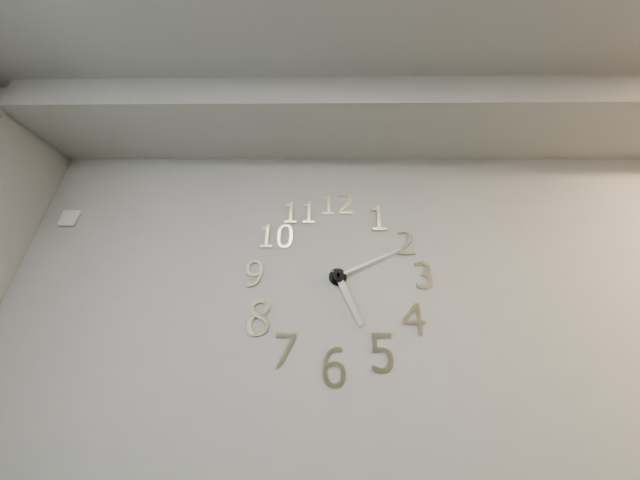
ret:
5:11
